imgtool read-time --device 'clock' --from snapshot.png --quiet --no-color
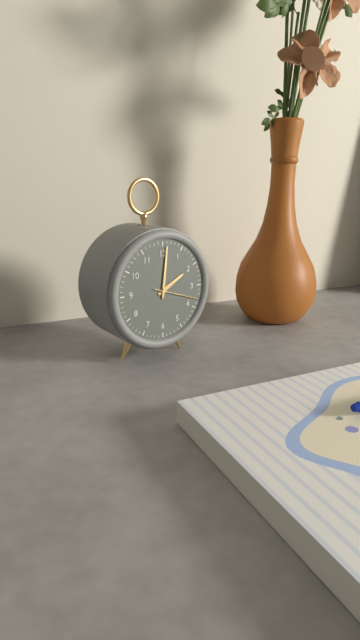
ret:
2:01
